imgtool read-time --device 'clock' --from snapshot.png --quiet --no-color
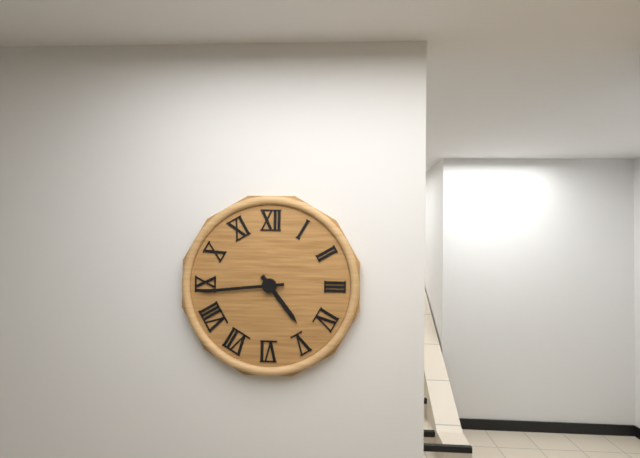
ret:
4:44
